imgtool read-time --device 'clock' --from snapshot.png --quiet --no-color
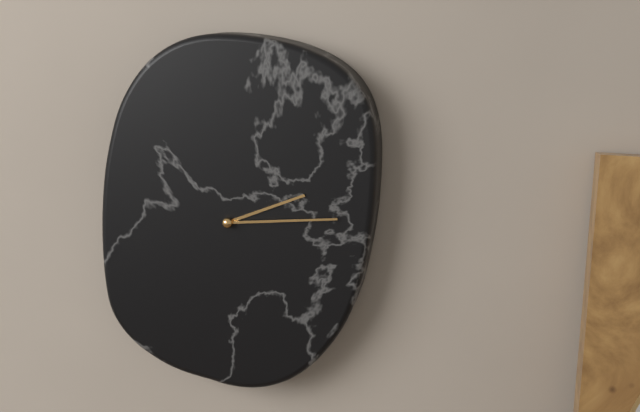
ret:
2:14
